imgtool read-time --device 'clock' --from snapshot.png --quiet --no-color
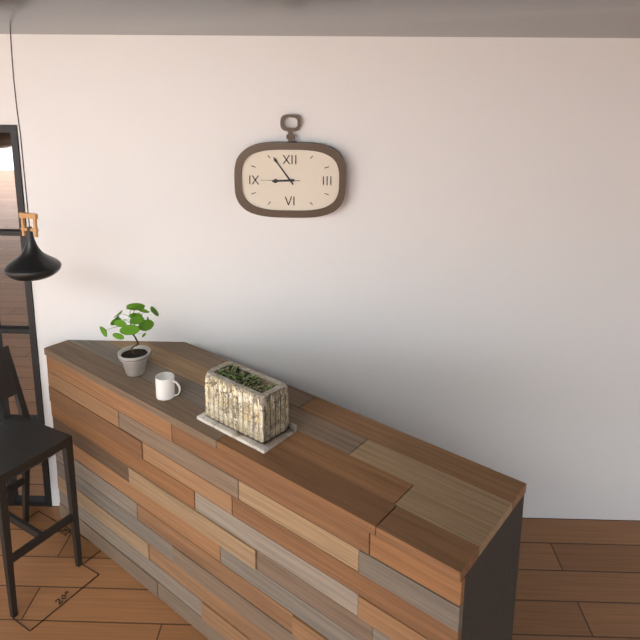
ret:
8:54
